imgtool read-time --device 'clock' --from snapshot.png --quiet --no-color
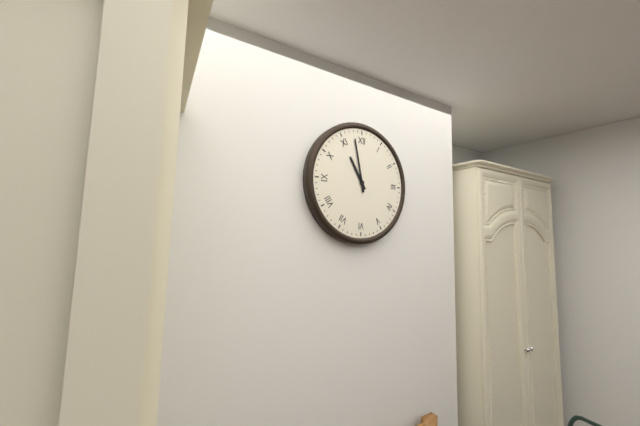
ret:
10:58
